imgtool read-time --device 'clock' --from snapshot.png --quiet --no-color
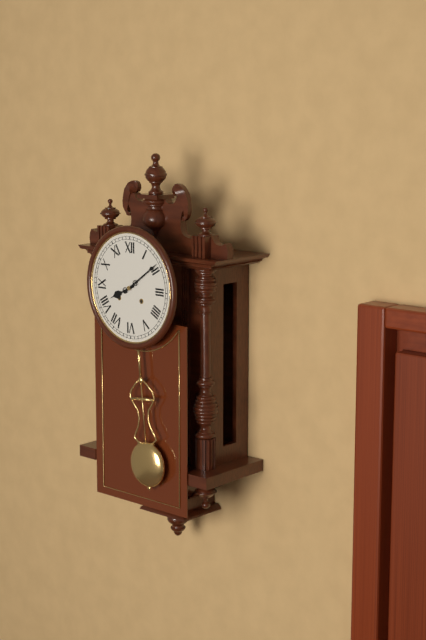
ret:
8:09
